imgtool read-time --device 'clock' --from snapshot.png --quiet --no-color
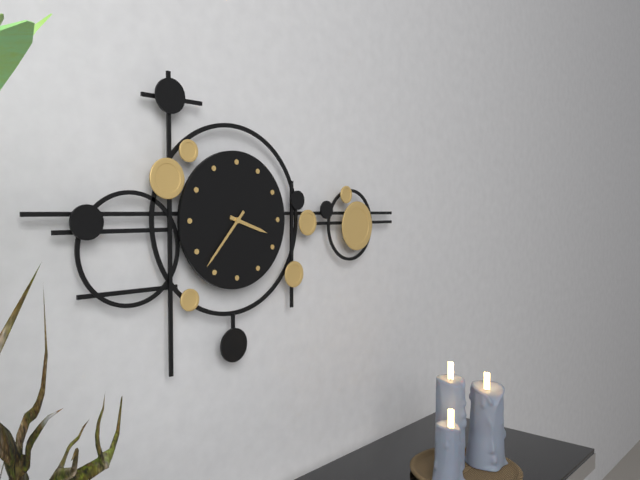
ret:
3:37
